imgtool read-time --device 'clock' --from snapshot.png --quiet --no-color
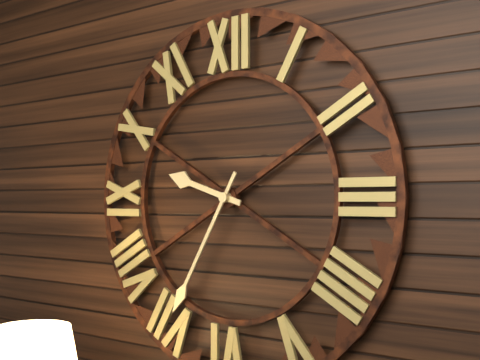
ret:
9:35
